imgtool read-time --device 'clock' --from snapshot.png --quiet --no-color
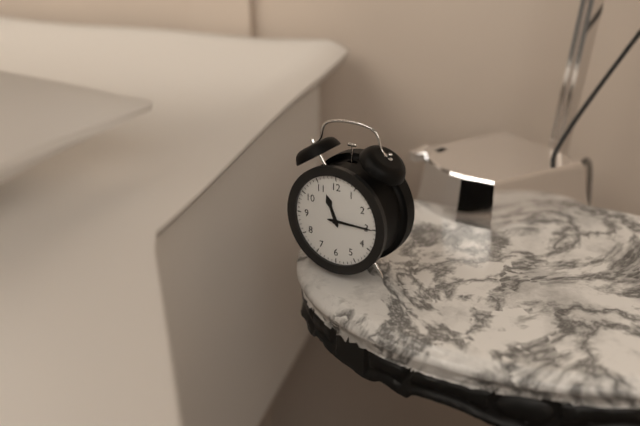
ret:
11:15
